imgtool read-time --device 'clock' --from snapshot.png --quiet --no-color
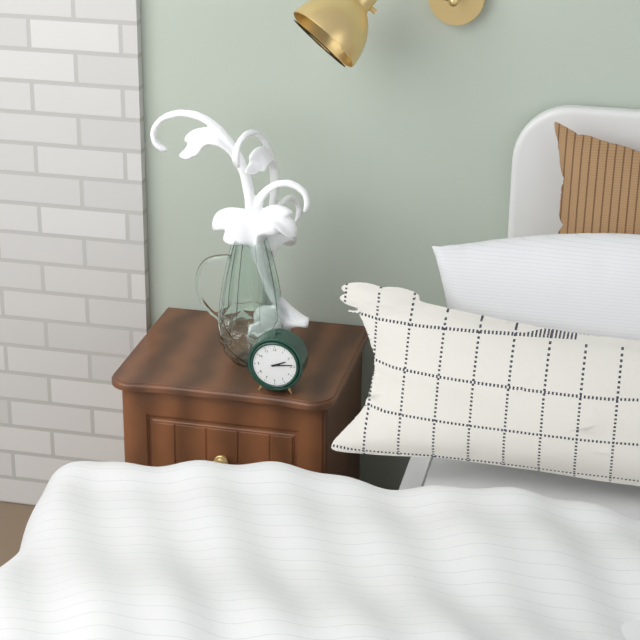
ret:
2:14
